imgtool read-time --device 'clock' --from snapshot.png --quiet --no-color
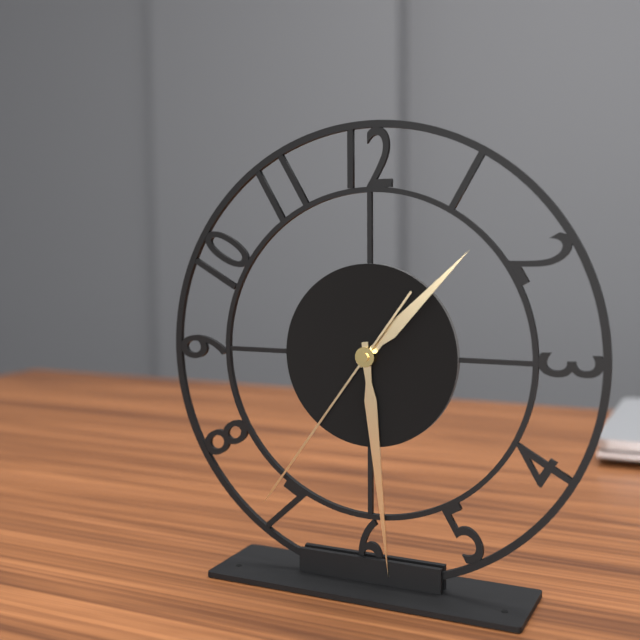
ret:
1:29:36
